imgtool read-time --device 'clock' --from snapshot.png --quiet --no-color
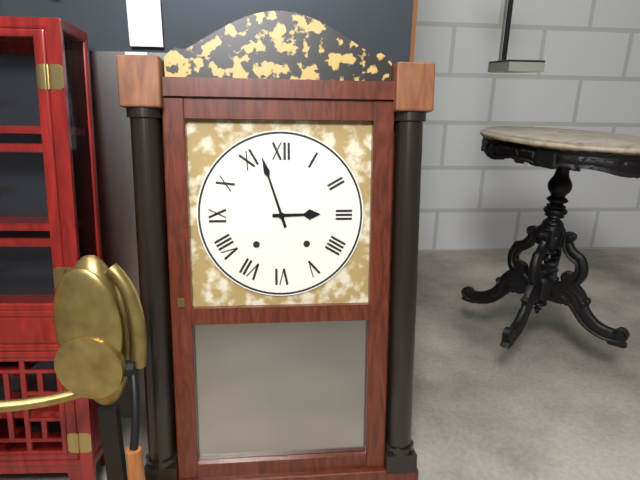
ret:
2:57
